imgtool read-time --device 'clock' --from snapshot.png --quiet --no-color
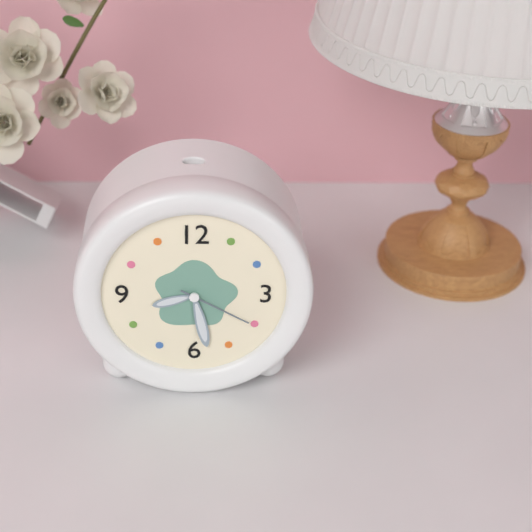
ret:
8:28:20
